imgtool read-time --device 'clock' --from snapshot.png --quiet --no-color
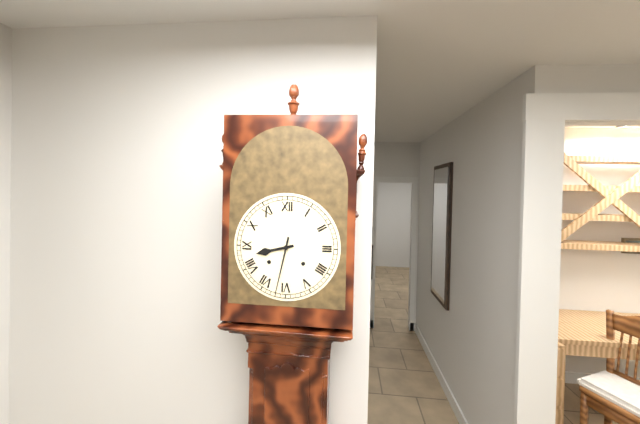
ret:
8:32
